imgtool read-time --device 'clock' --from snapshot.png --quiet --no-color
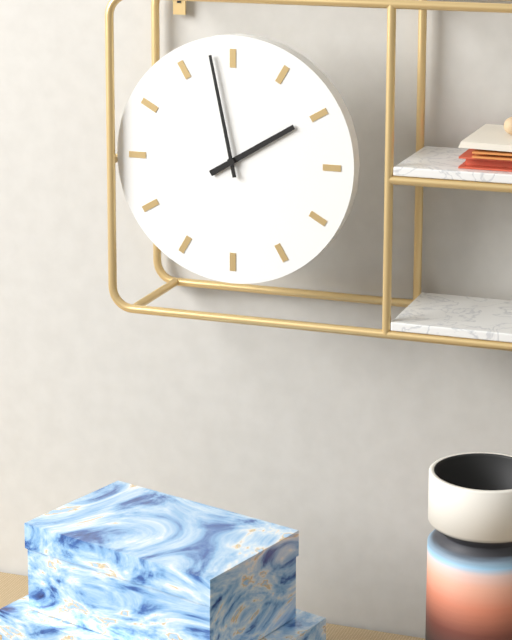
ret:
1:58
